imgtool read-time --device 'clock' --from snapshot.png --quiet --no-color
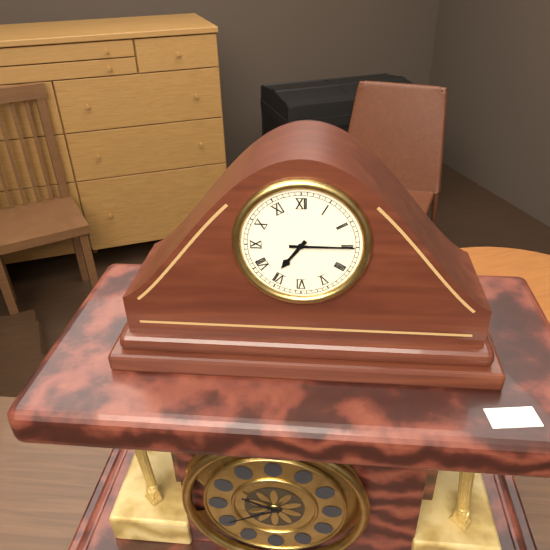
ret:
7:15
